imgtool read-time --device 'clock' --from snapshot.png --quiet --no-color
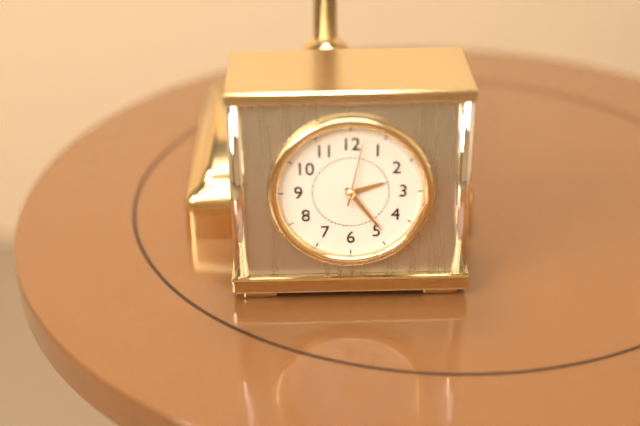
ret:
2:24
